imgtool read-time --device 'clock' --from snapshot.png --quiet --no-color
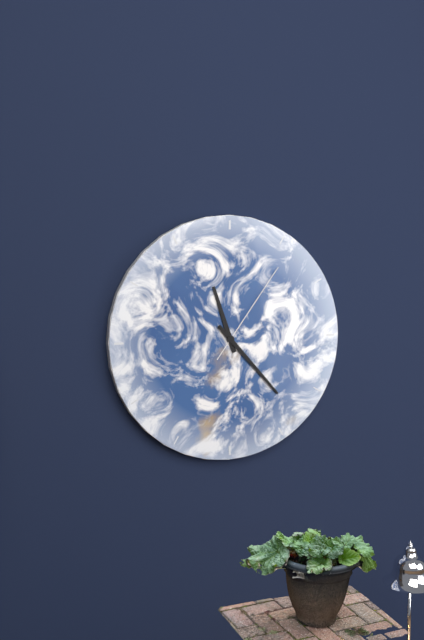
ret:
11:23:06
